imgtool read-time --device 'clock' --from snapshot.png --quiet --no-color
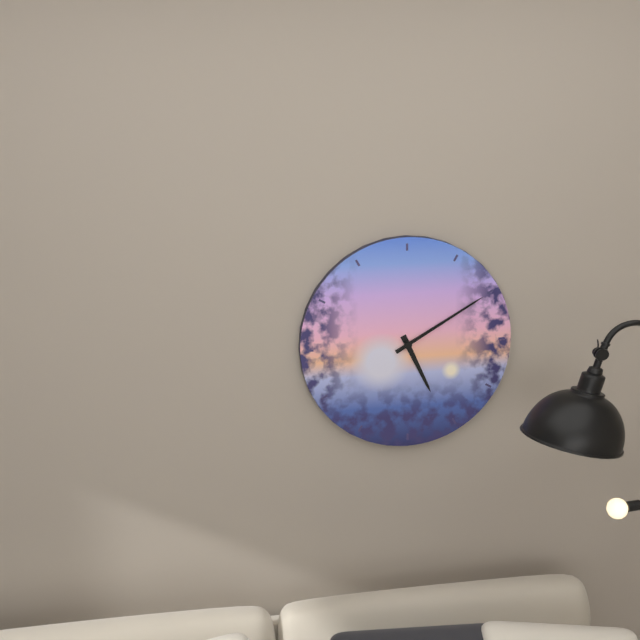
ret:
5:10
